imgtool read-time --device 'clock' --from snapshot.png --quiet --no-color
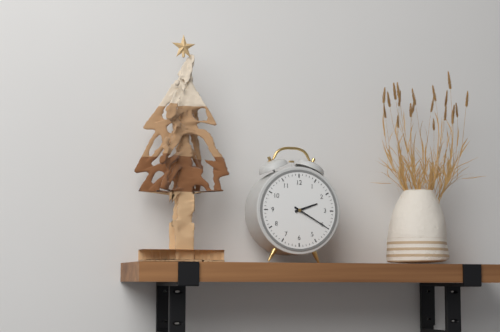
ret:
2:20
